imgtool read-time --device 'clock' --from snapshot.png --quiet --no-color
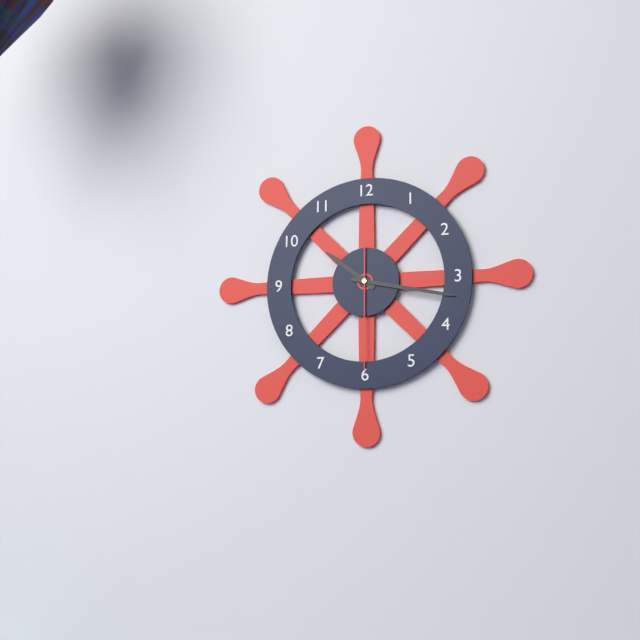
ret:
10:17:30
